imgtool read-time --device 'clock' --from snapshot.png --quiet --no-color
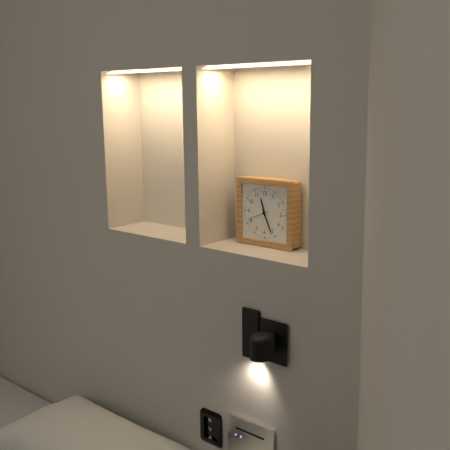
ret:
11:26
